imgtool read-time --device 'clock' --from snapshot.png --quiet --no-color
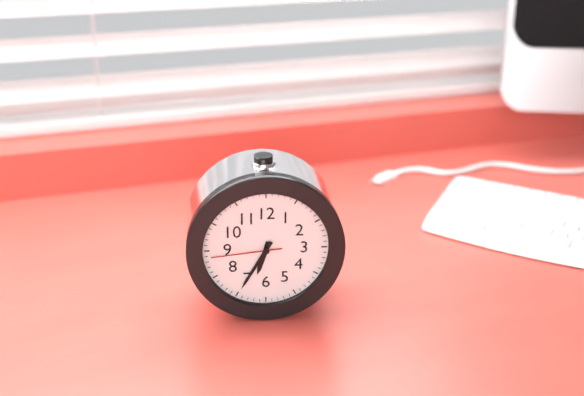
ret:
6:35:44
